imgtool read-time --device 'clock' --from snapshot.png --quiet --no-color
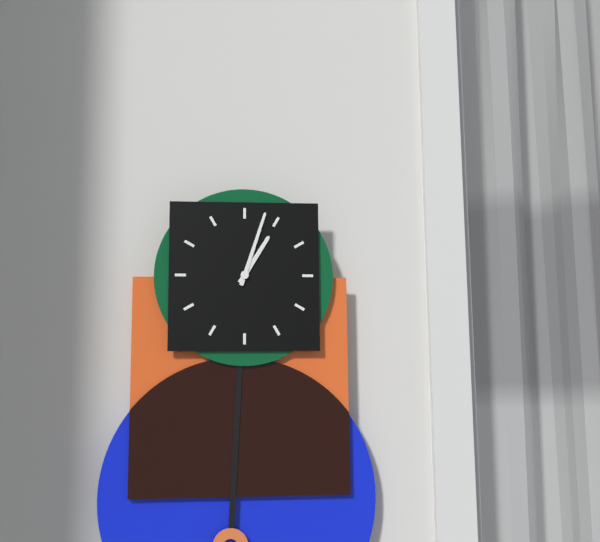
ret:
1:03
